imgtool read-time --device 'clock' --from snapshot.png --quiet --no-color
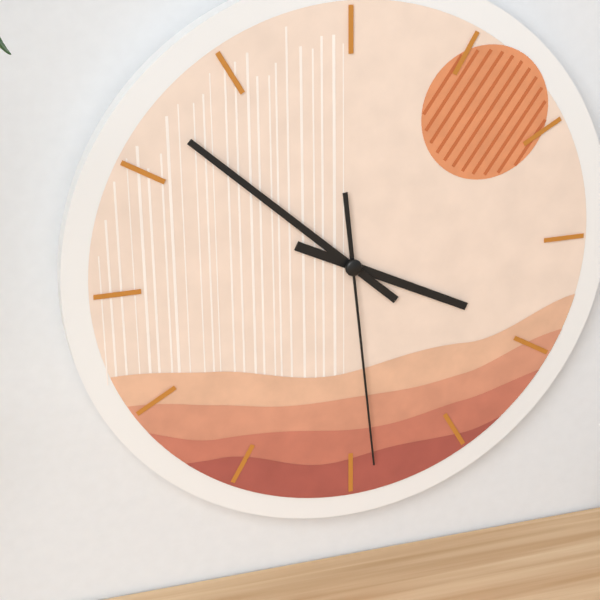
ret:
3:52:29
